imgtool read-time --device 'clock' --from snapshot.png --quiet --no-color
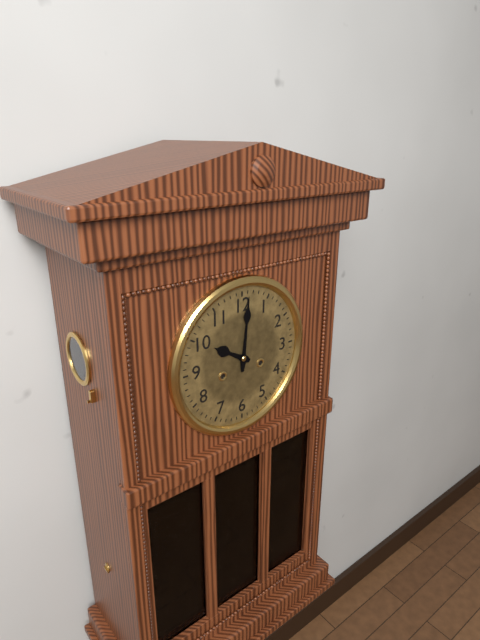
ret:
10:01
